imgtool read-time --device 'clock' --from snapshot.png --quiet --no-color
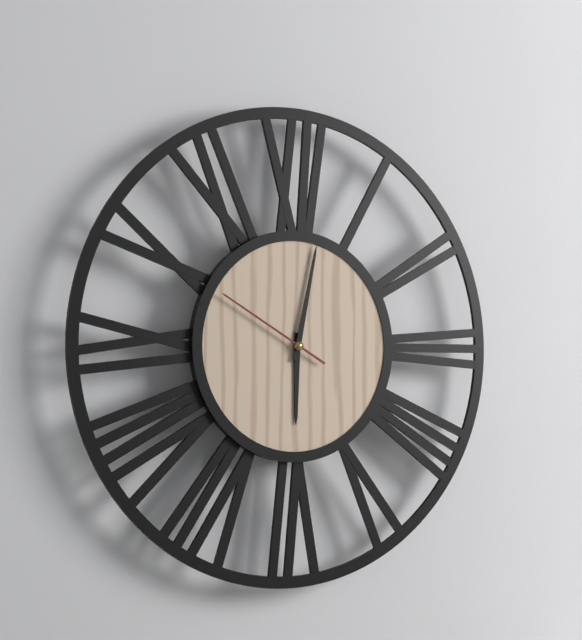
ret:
6:02:50
